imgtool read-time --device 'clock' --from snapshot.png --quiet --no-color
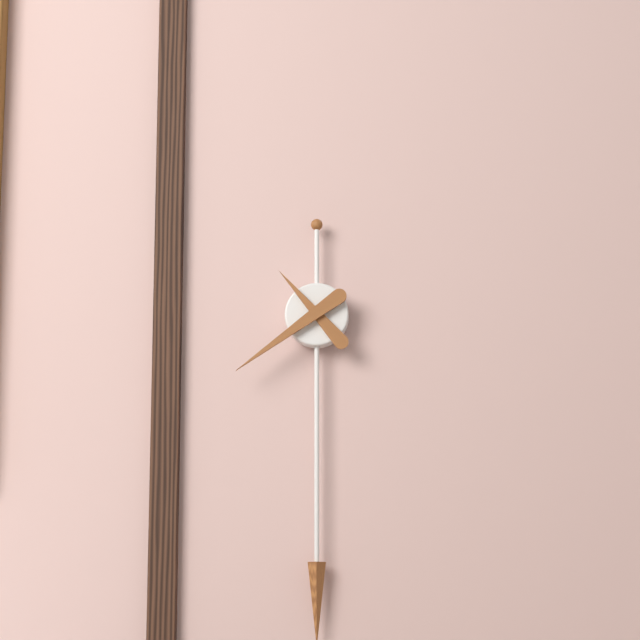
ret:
10:39
